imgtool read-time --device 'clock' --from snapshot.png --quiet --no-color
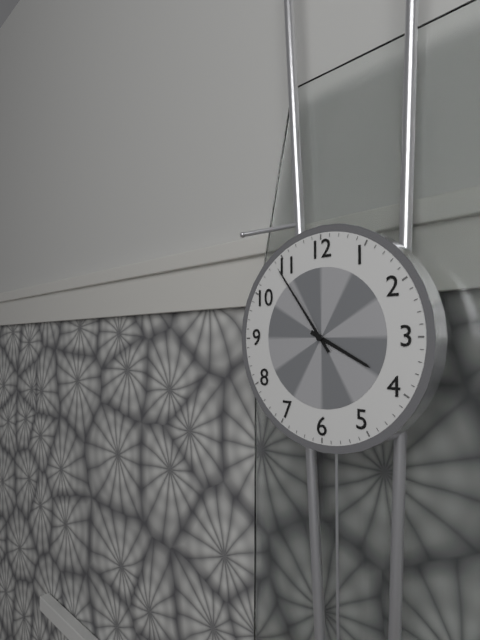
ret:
3:54
